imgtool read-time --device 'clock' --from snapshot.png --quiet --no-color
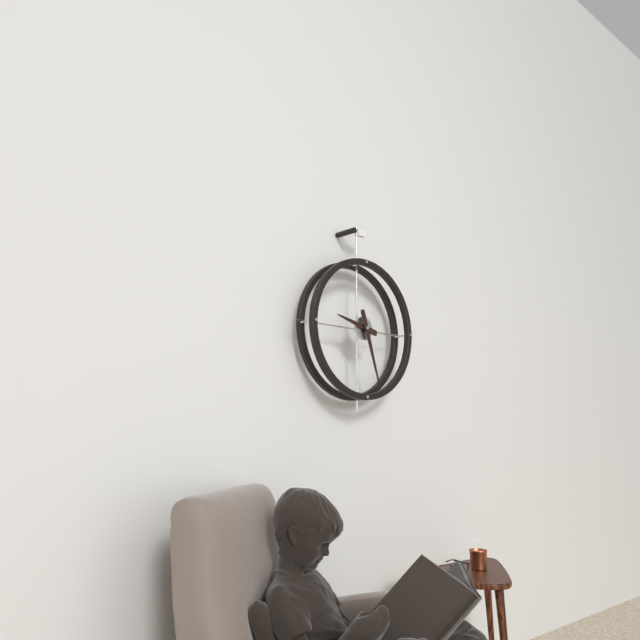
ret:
9:27
